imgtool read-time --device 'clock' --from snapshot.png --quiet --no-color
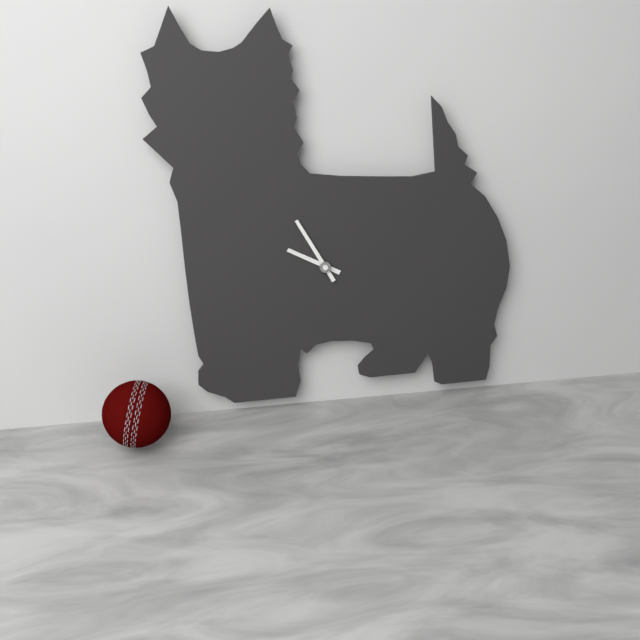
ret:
9:55
